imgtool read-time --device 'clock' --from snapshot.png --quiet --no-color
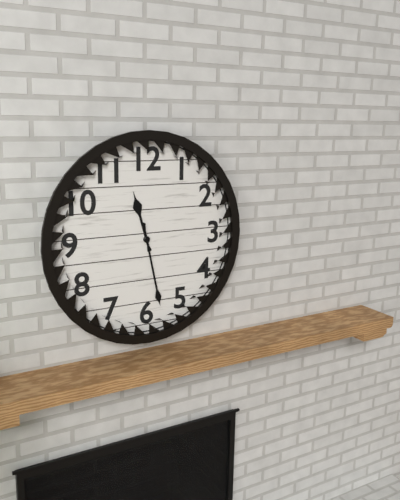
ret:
11:28
